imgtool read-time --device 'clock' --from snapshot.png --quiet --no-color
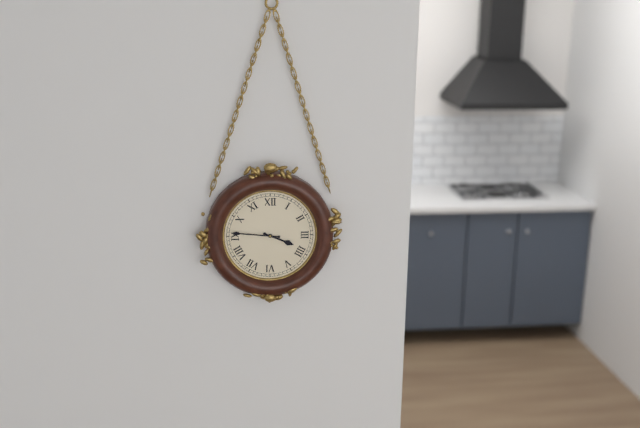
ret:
3:46
